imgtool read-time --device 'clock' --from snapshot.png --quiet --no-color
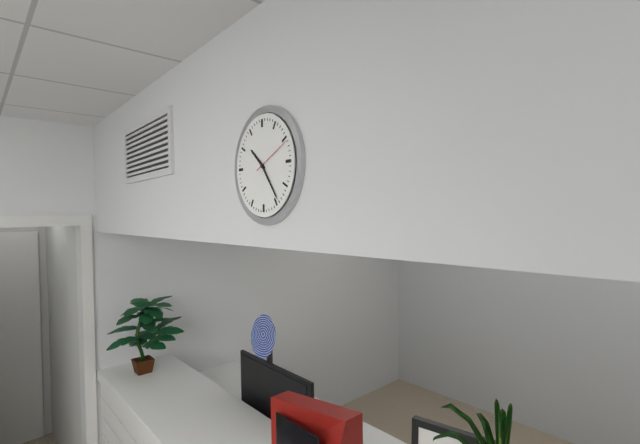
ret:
10:24
